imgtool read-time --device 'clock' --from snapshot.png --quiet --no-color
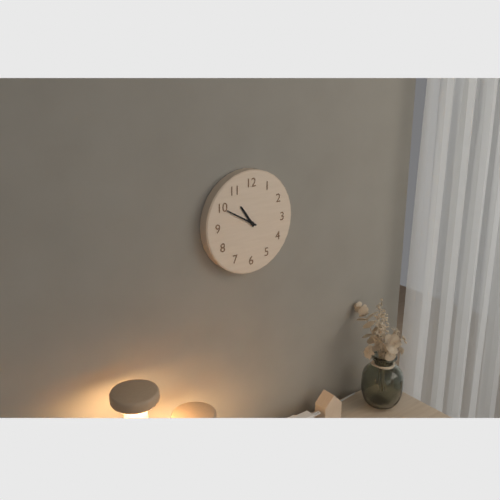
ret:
10:50
